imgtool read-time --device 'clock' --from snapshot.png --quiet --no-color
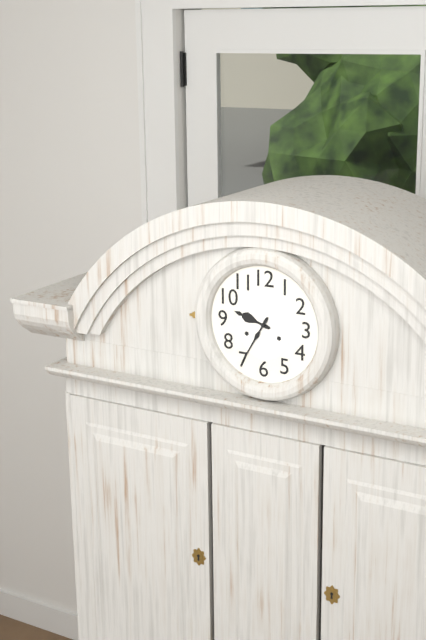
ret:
9:35
